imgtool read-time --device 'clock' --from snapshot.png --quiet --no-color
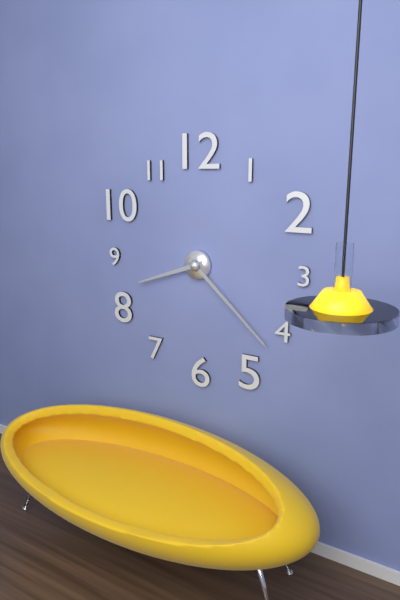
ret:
8:22
